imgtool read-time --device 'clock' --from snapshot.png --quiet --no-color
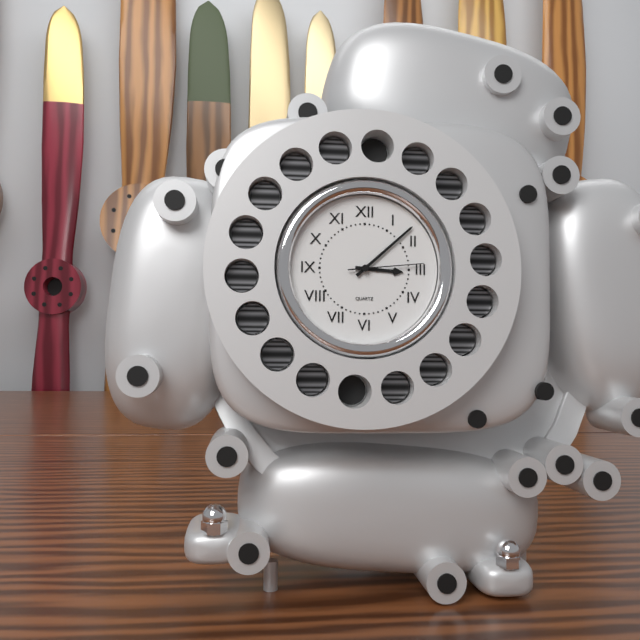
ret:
3:08:14
